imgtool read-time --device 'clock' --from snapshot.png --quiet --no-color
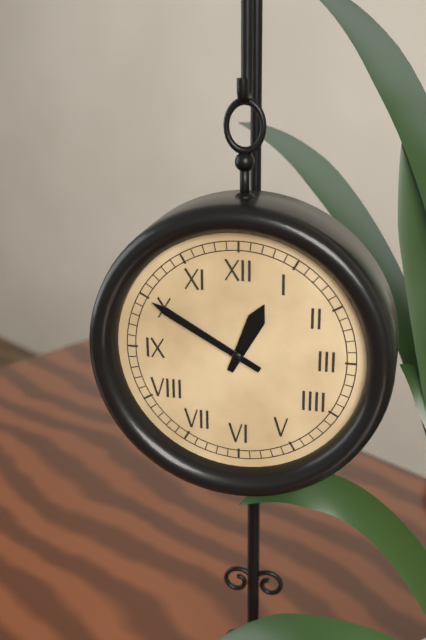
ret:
12:50
